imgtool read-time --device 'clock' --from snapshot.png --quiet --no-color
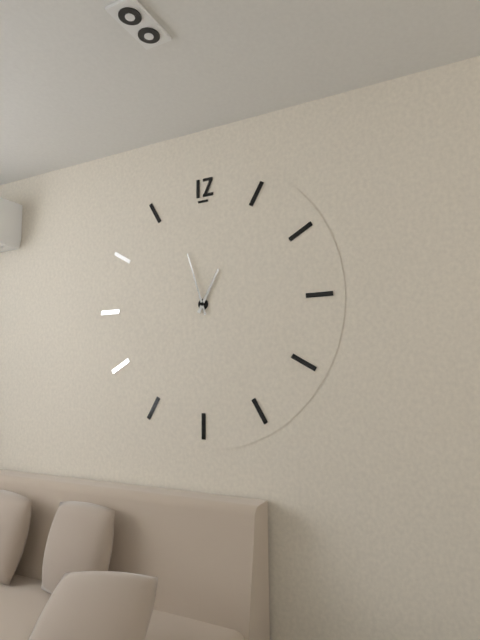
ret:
12:57
